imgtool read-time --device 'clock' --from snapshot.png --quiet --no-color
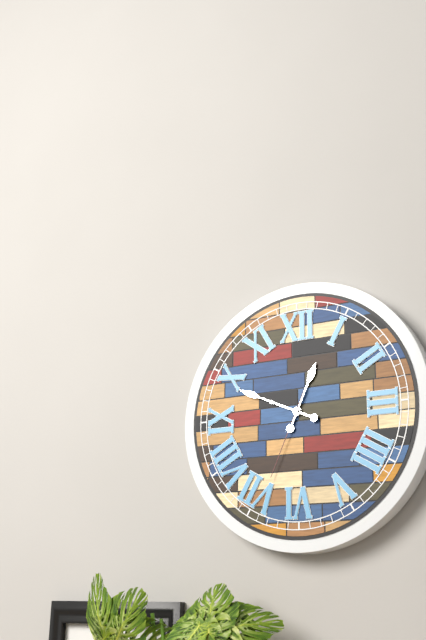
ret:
12:49:34
